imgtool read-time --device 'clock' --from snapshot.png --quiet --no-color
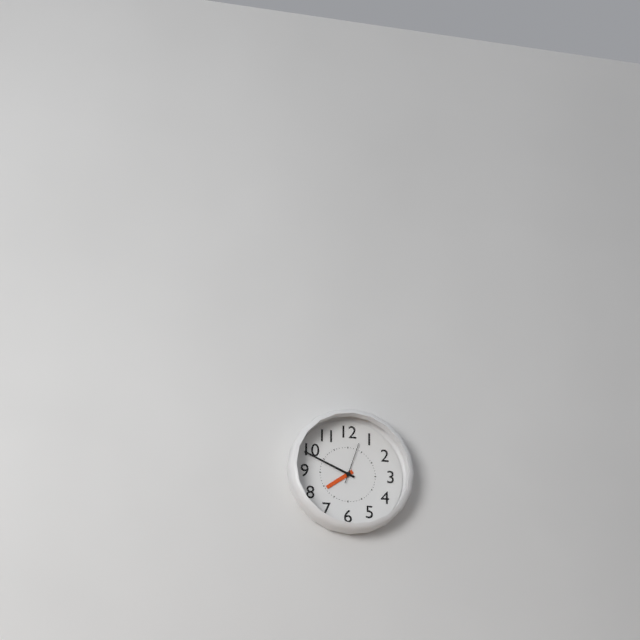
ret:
7:49
